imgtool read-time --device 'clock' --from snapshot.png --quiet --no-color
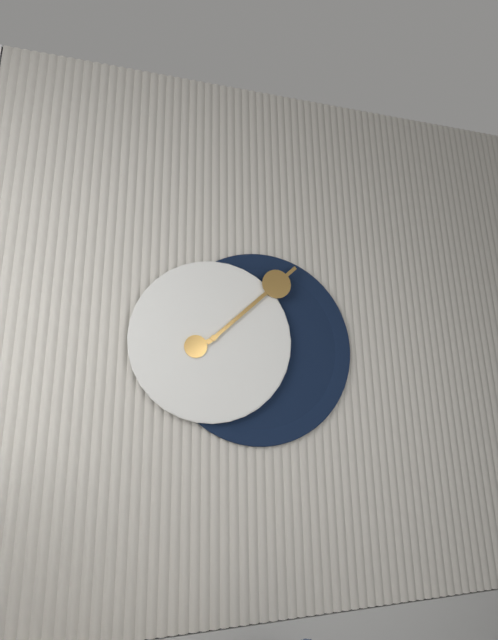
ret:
8:08
